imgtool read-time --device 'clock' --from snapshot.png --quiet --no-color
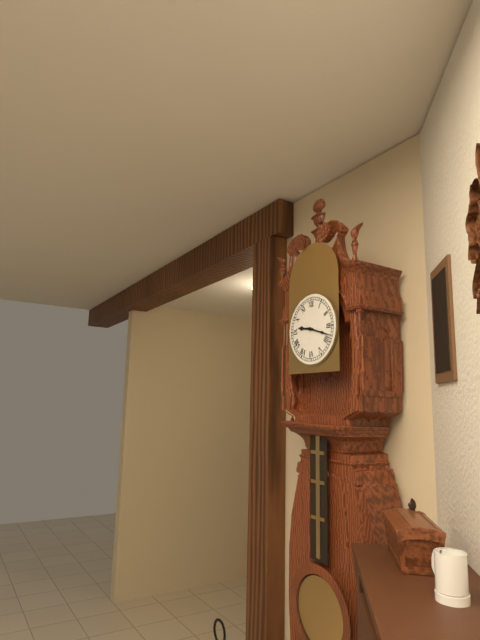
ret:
9:18
